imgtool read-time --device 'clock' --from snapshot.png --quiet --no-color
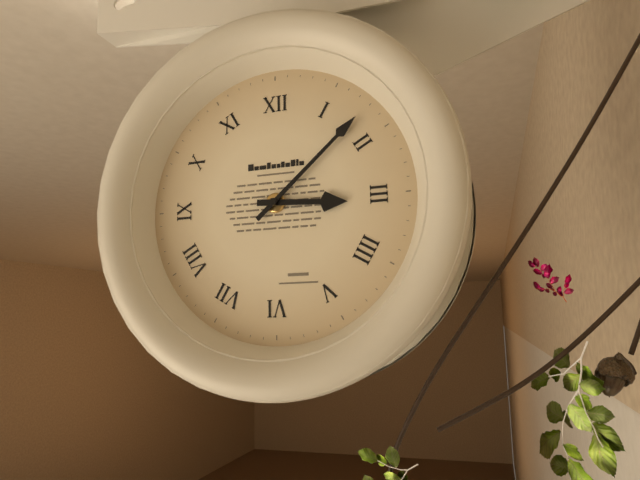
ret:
3:08
